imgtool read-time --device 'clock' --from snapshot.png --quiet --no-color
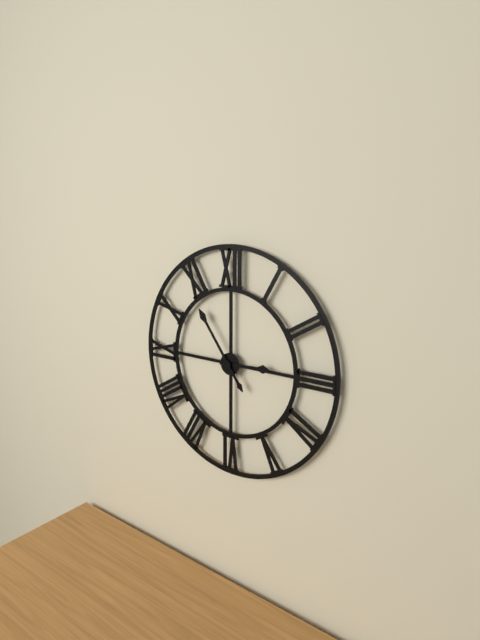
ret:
2:54
